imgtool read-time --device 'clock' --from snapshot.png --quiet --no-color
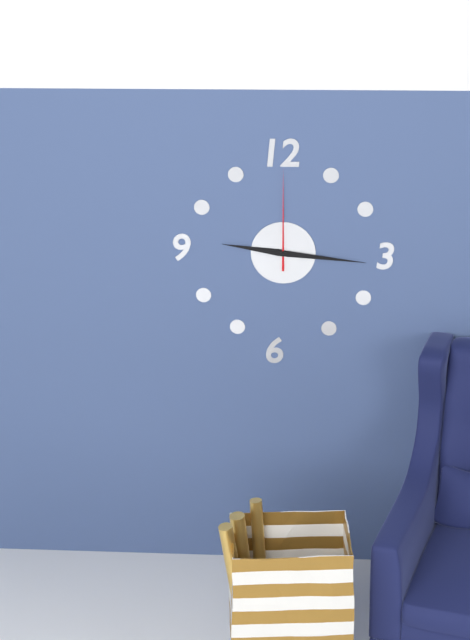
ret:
9:16:00
